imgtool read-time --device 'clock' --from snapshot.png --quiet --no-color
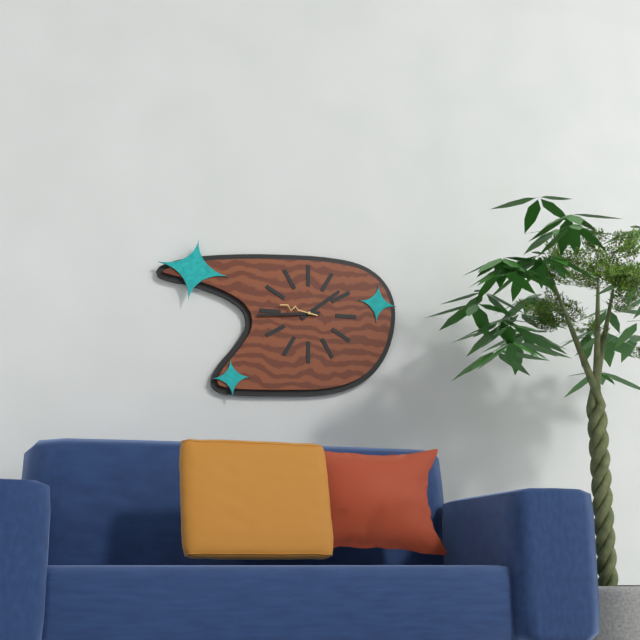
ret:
1:44
